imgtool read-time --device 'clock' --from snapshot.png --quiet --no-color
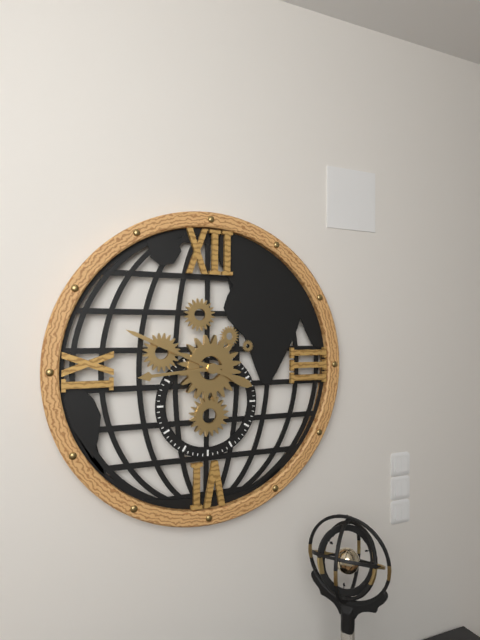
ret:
8:49
